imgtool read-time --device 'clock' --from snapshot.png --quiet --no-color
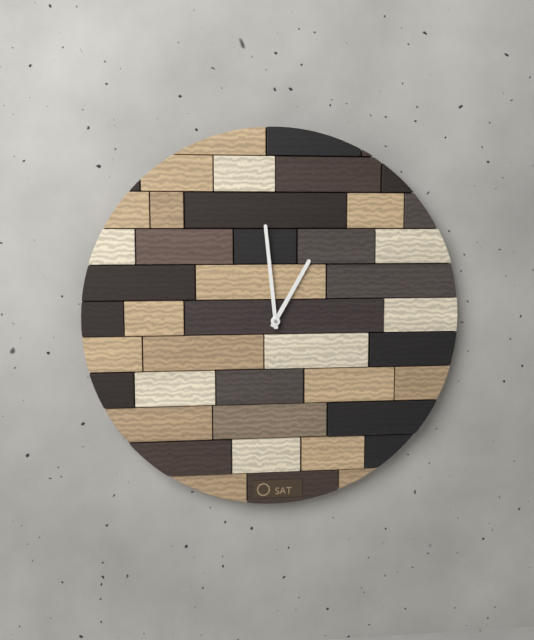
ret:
12:59
